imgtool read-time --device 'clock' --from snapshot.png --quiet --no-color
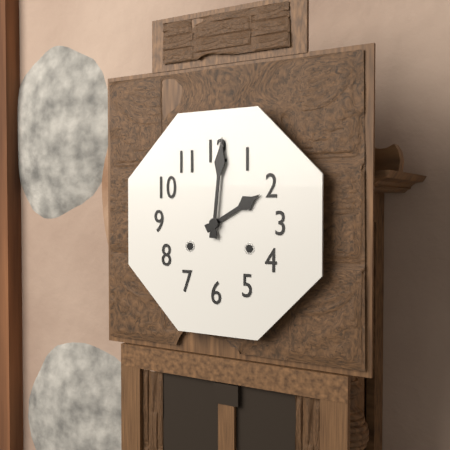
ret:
2:01
